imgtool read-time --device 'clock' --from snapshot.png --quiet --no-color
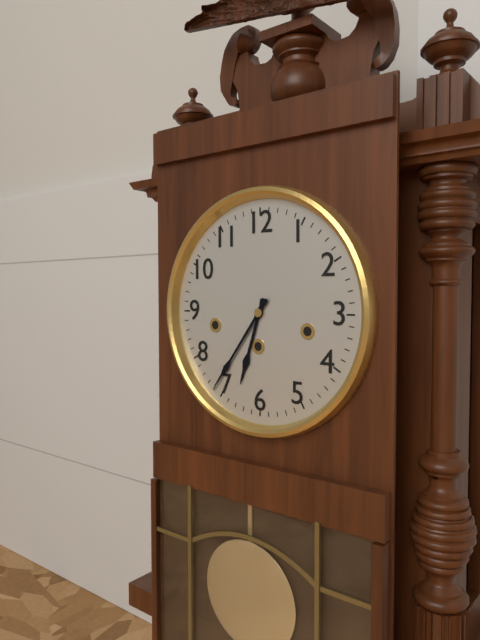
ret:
6:36
